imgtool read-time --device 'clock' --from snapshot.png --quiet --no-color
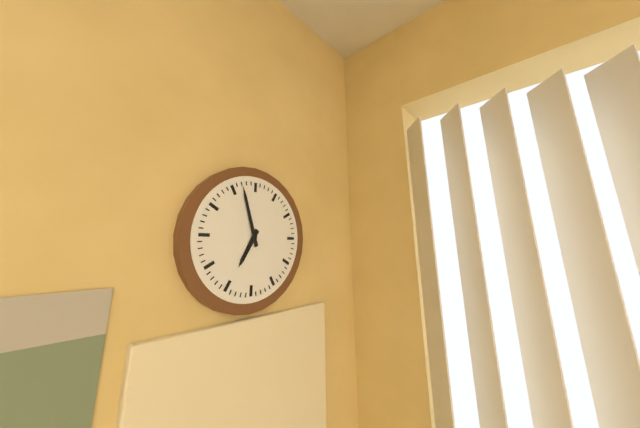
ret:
6:57
